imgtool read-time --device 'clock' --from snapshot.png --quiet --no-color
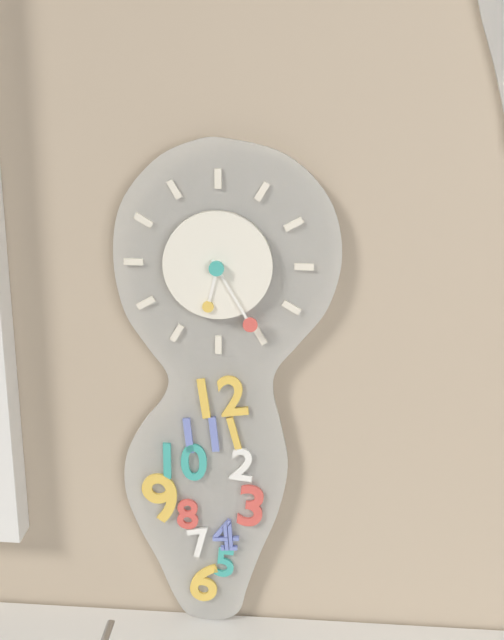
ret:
6:25
